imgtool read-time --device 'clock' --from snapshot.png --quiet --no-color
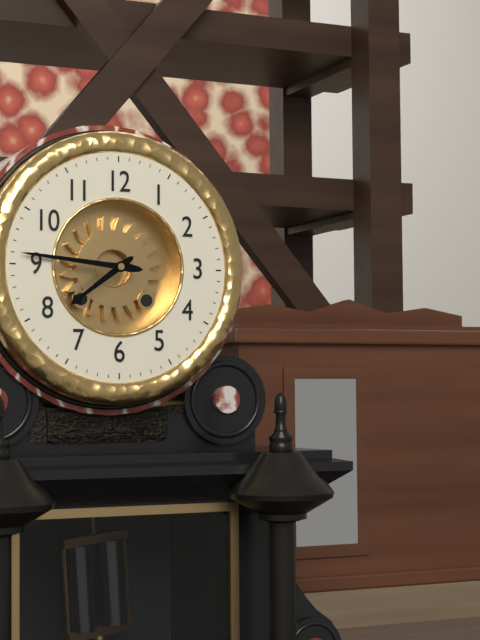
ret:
7:46
